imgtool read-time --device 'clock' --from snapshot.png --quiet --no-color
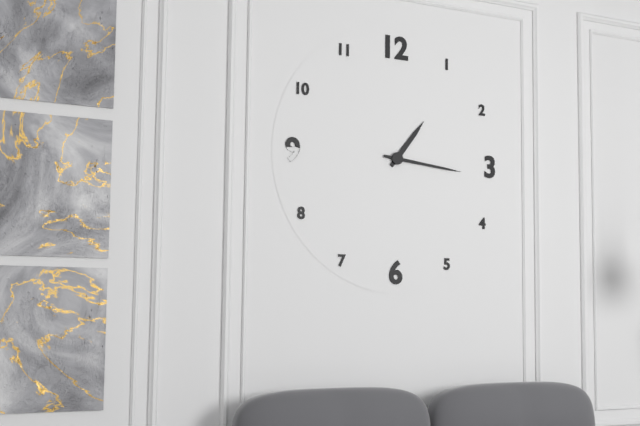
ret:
1:16
